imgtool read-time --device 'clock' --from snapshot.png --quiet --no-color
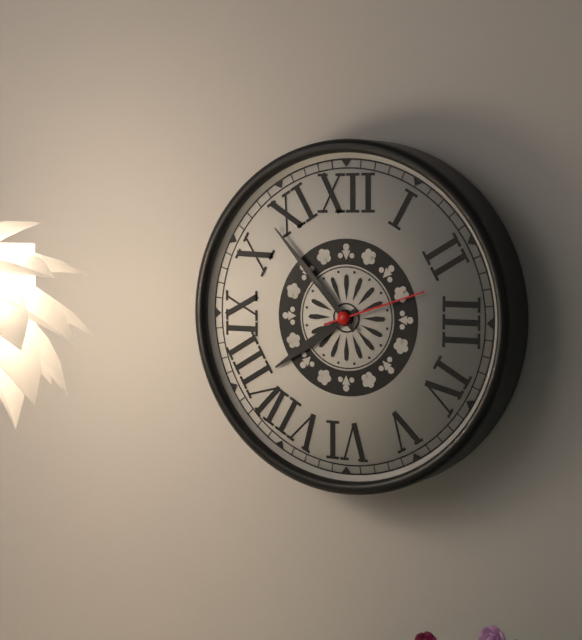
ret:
7:53:12
